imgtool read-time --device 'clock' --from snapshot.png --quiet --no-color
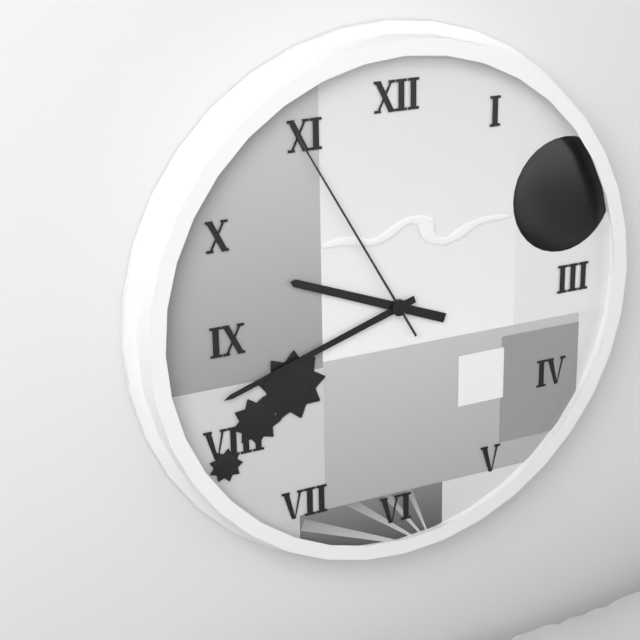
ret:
9:42:55
